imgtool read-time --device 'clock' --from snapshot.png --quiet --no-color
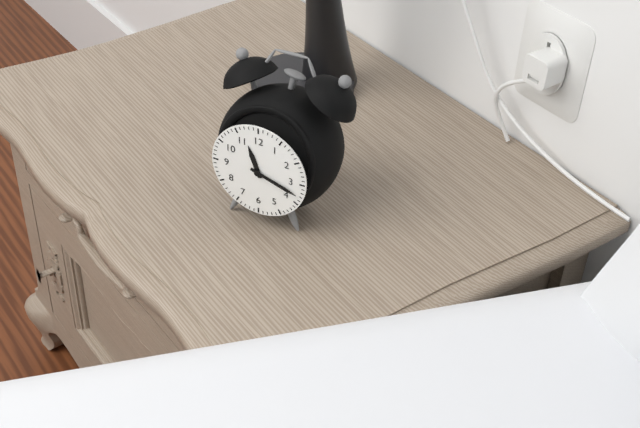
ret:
11:18
